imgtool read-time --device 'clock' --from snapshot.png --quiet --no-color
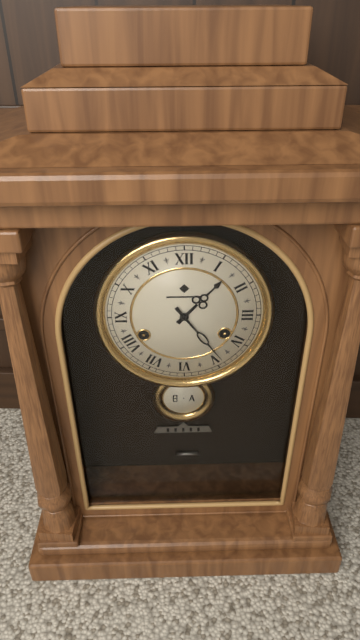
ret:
1:24
